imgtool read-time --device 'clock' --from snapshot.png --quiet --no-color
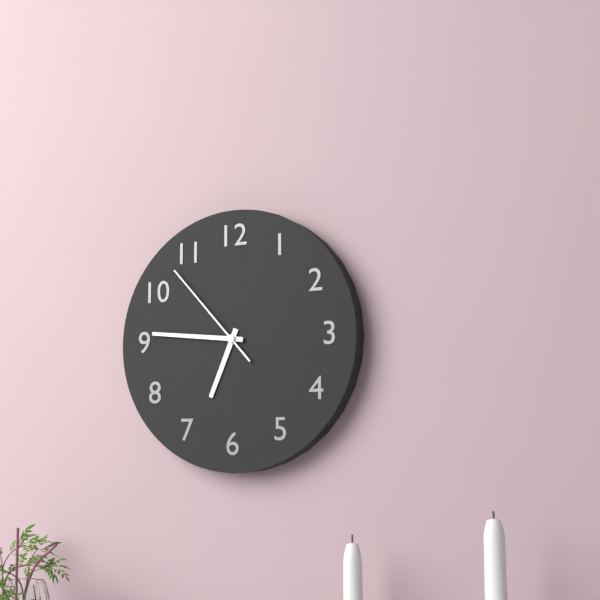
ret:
6:46:53
